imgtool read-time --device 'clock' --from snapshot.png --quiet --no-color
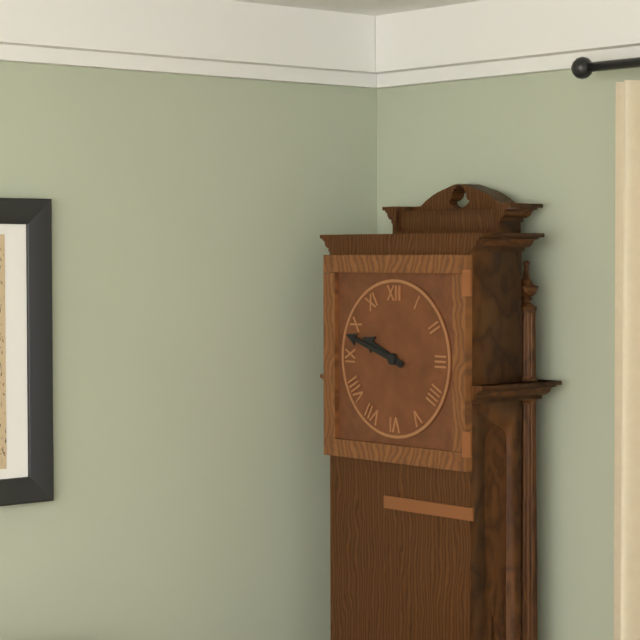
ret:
9:48
